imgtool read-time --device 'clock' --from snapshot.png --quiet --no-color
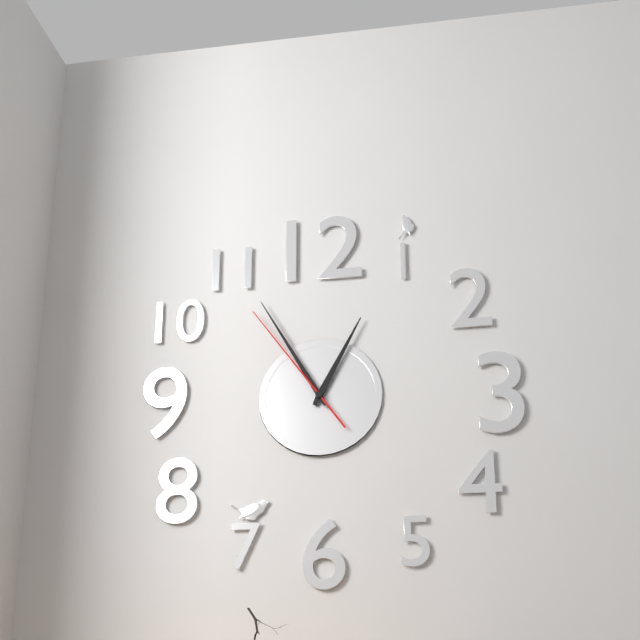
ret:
12:55:54
